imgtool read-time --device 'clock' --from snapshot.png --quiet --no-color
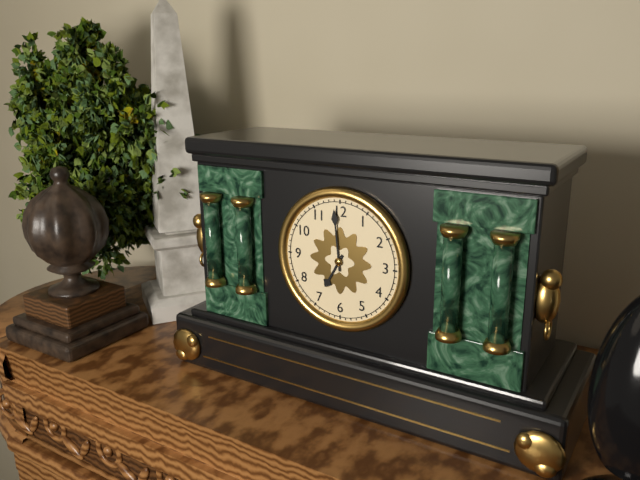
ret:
6:59
